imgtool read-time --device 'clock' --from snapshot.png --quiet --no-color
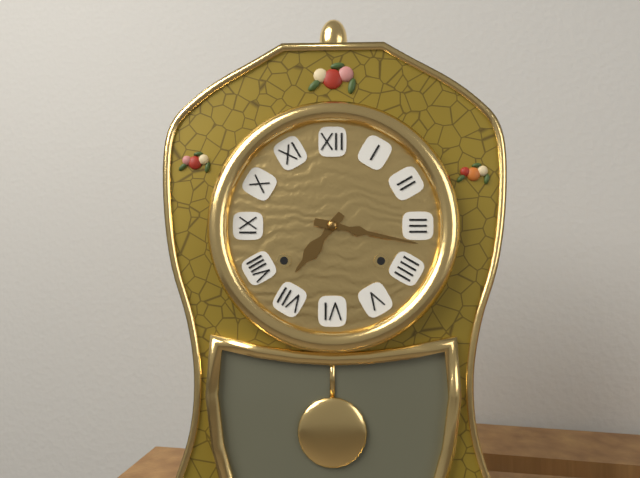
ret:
7:17
